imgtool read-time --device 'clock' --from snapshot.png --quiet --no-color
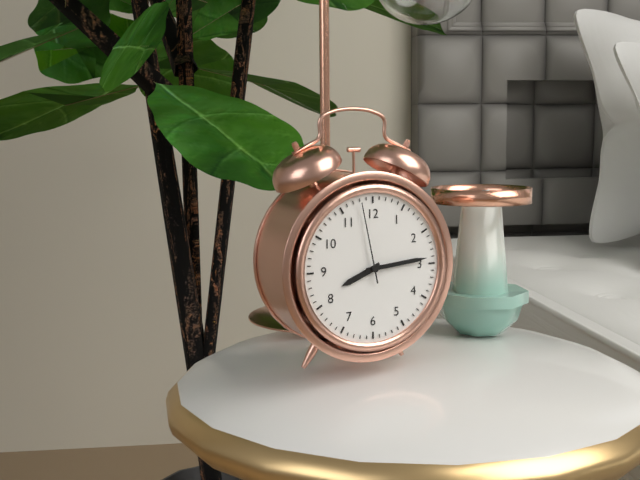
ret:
8:14:58
